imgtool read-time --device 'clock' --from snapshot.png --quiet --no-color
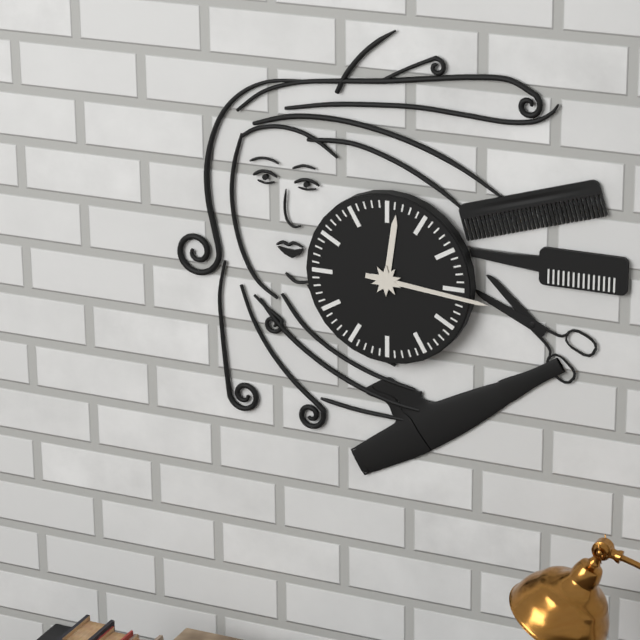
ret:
12:16
